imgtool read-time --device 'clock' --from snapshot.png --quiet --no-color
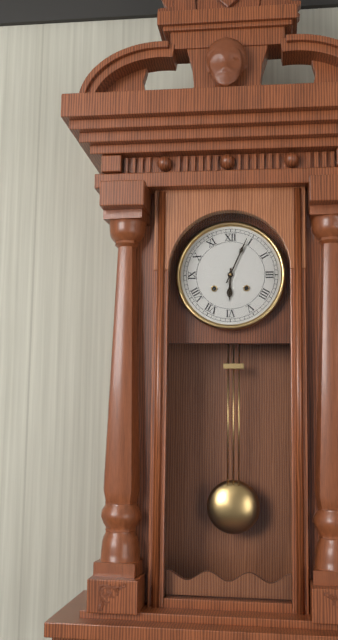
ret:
6:04
